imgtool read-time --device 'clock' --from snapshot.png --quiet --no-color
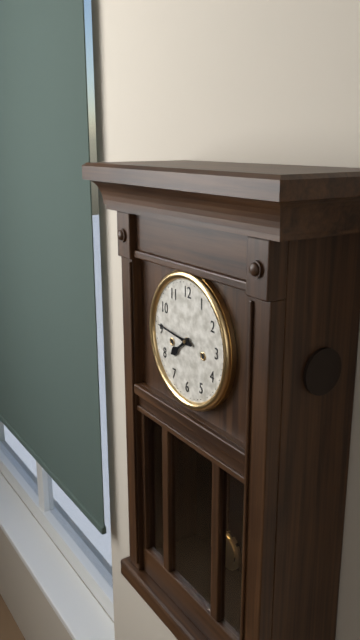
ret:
7:46
